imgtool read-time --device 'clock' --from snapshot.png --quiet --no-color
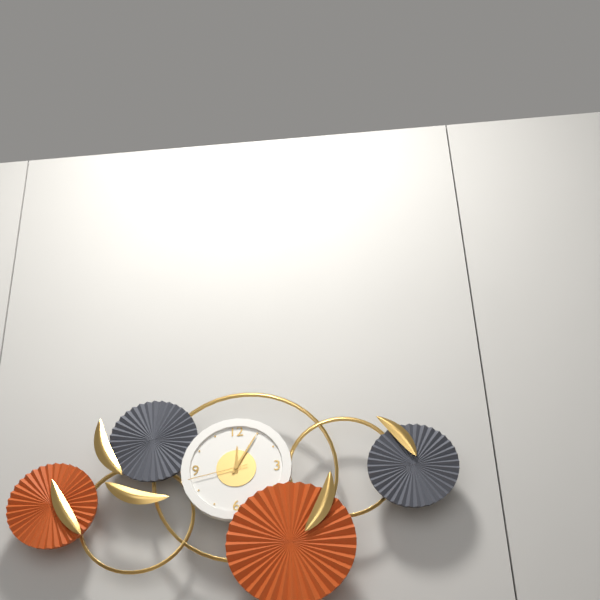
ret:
12:05:43
